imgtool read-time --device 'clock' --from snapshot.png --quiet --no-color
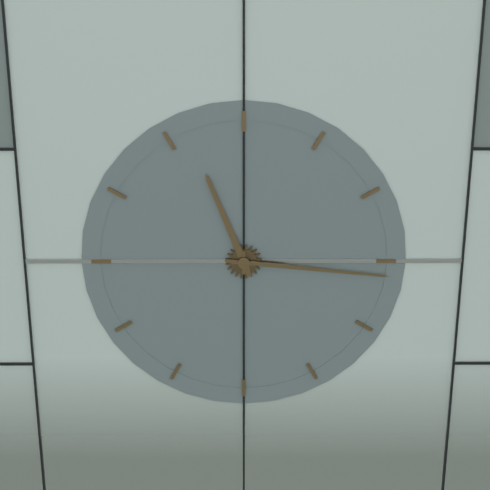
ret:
11:16
